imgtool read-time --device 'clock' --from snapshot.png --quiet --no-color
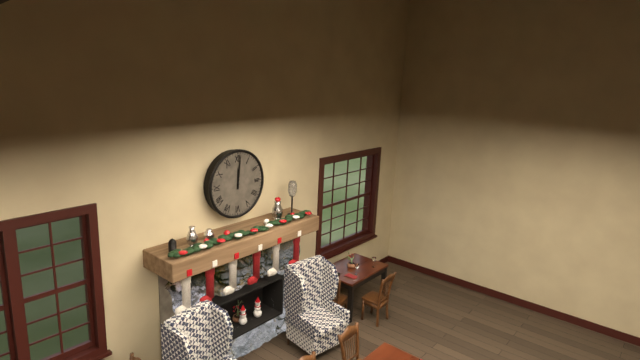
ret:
12:01
